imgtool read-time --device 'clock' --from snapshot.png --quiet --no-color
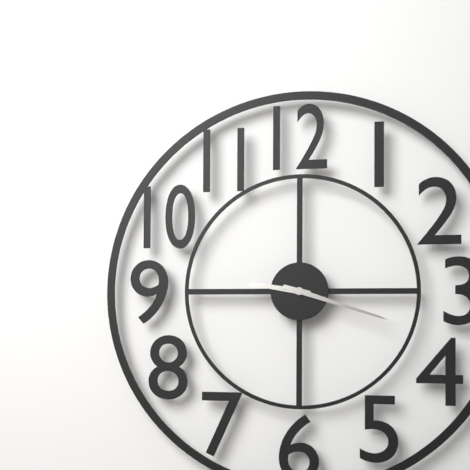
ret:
9:18
